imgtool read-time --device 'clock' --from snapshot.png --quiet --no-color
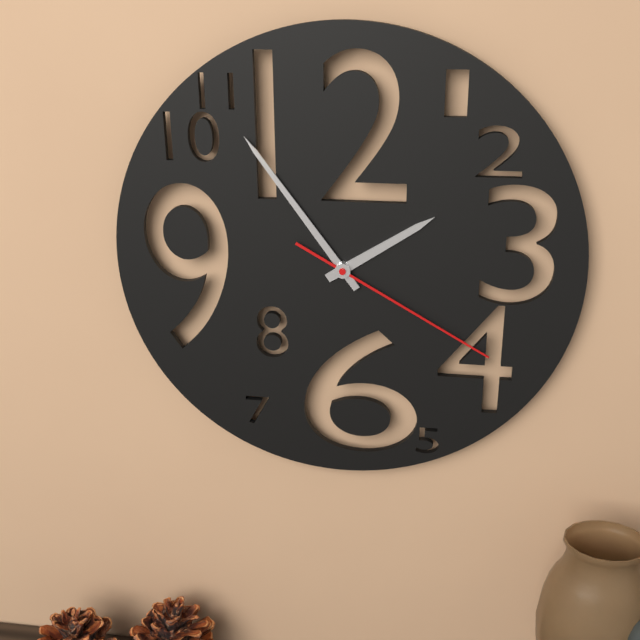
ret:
1:54:20
